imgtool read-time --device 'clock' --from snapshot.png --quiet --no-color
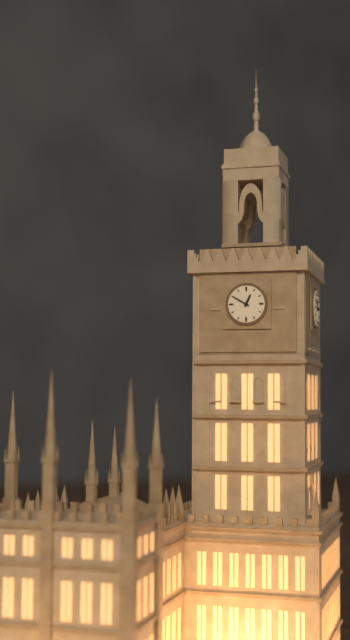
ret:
12:50
